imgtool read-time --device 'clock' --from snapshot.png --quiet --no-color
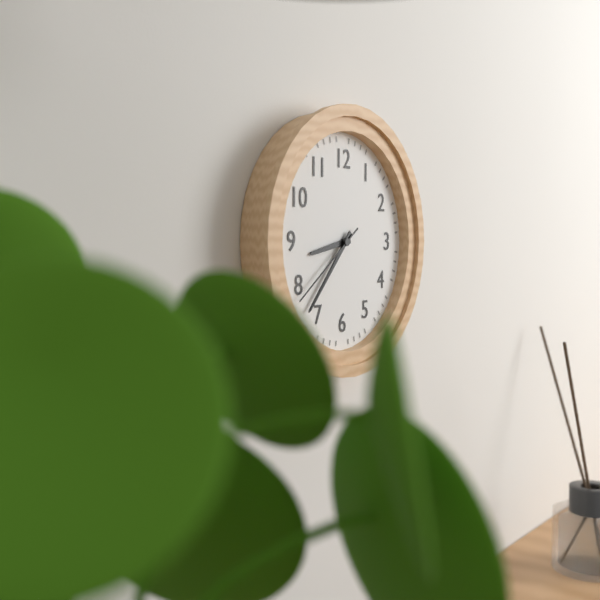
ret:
8:37:39
